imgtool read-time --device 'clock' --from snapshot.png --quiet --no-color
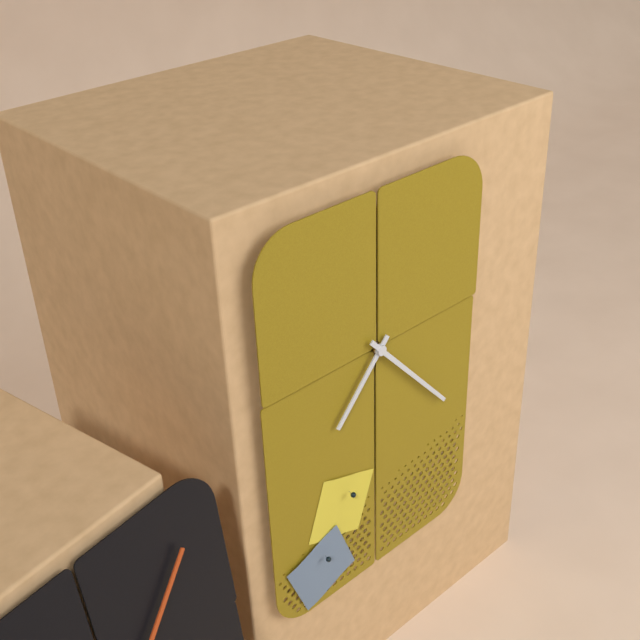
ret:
7:23
